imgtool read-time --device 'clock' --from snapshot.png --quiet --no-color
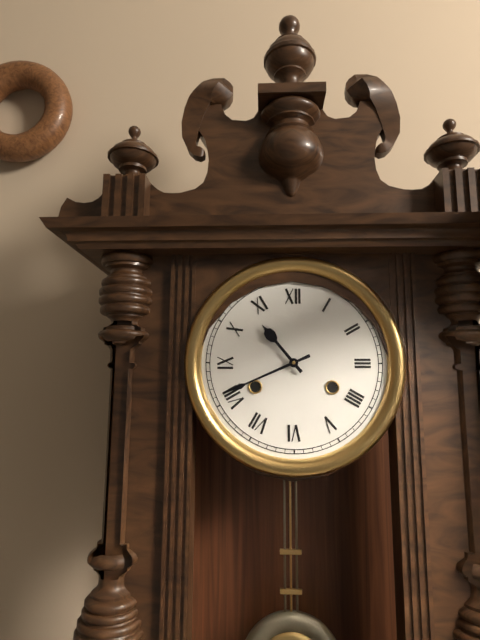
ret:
10:41
